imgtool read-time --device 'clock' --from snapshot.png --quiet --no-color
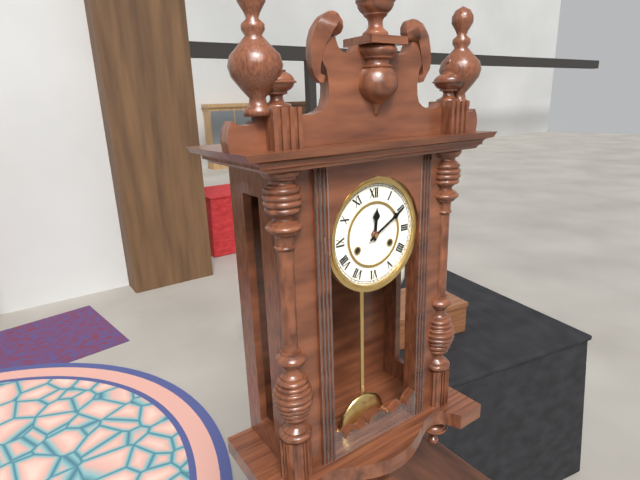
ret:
12:10
